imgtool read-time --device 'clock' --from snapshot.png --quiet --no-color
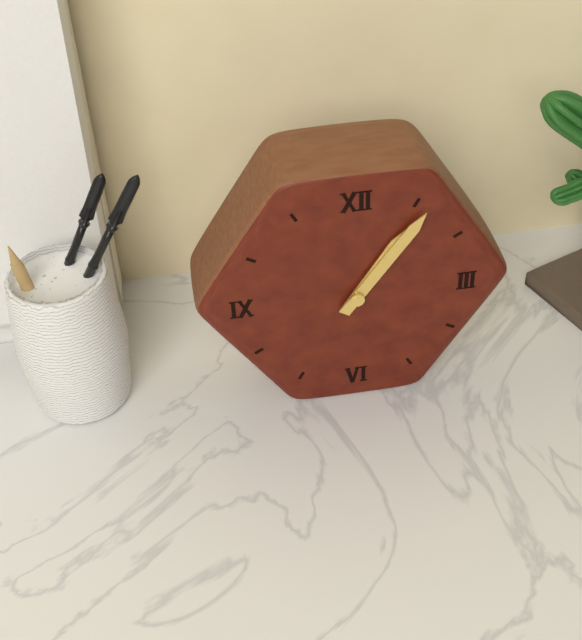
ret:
1:06
